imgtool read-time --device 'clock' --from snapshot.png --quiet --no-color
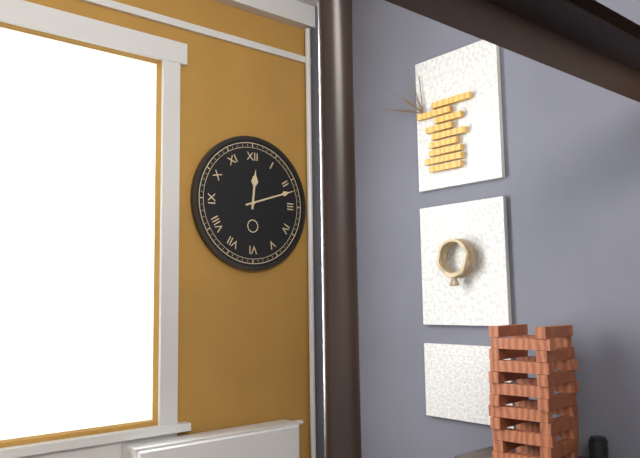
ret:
12:12
